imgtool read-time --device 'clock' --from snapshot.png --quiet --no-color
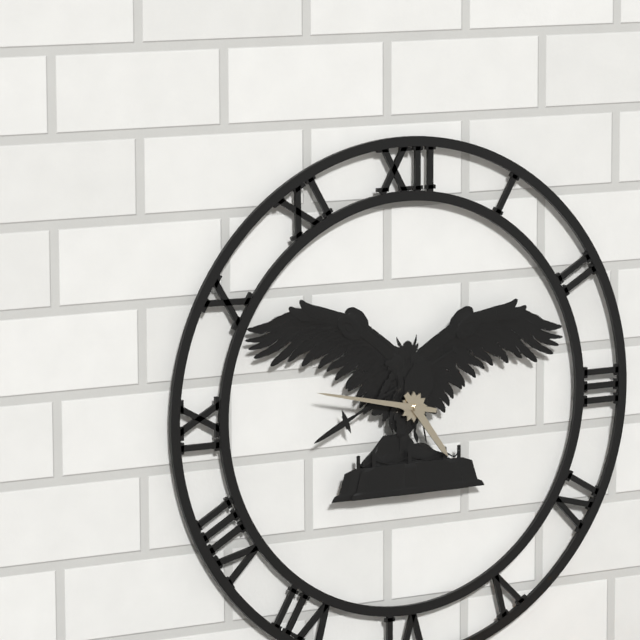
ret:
4:47
